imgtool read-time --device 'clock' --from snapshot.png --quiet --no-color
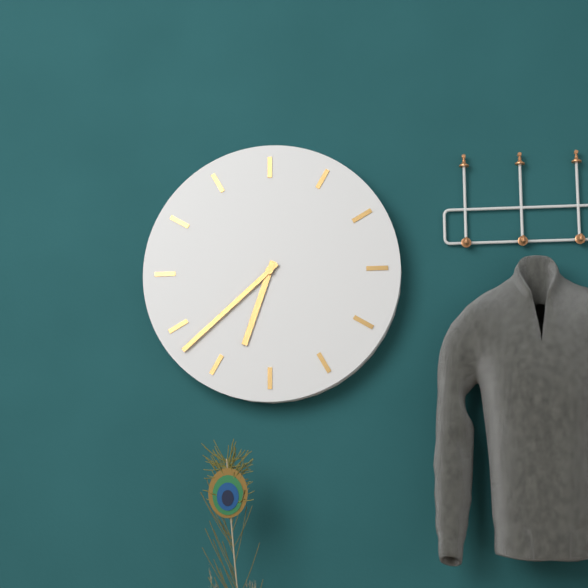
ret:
6:38
